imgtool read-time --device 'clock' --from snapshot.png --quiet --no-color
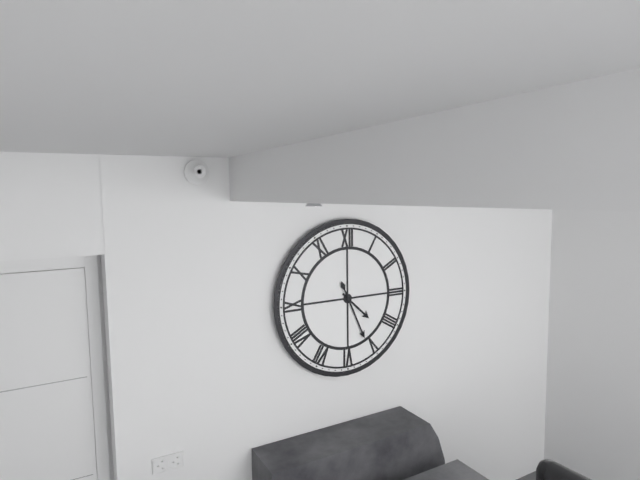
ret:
4:26
